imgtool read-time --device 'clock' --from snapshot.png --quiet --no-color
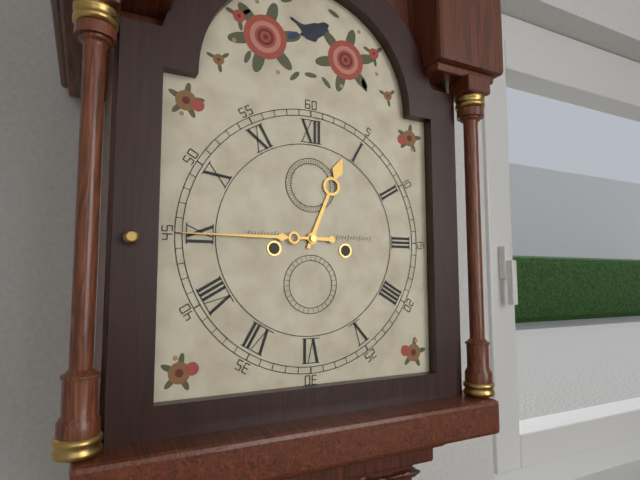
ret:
12:45
